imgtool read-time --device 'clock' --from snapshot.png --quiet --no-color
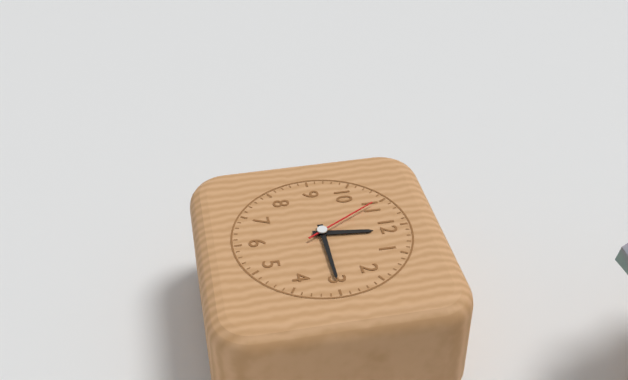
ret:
12:15:55
